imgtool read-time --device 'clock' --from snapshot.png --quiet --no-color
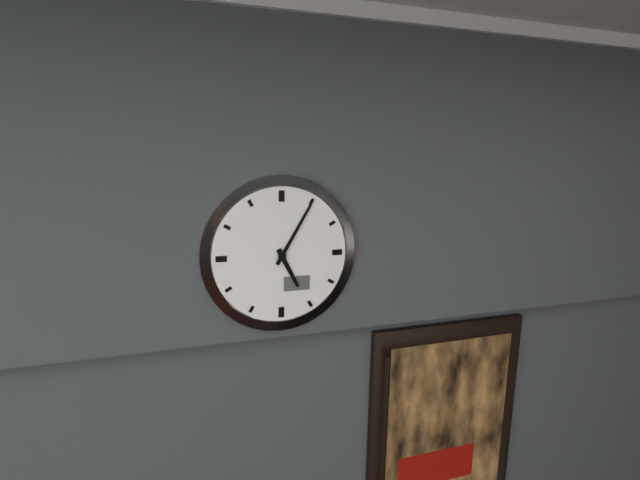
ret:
5:05
